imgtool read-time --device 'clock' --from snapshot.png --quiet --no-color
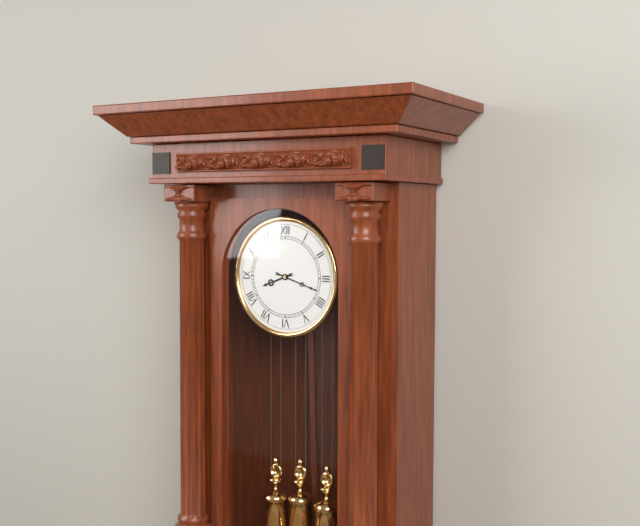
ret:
8:18
